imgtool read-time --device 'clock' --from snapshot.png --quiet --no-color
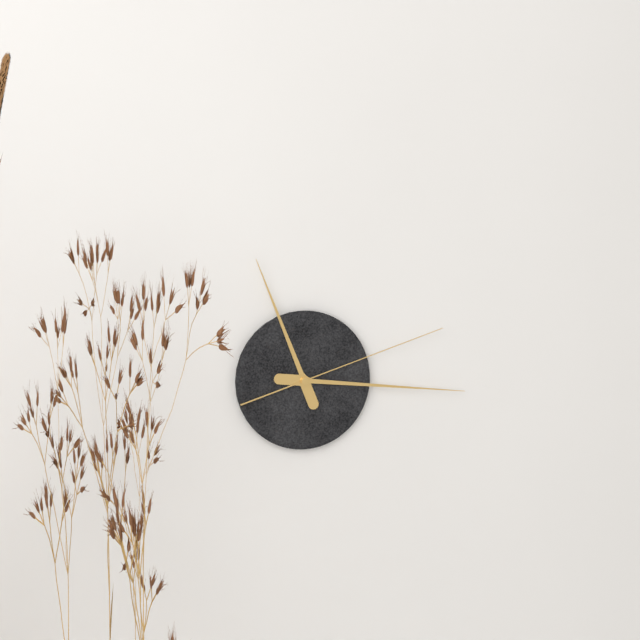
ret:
11:16:12
